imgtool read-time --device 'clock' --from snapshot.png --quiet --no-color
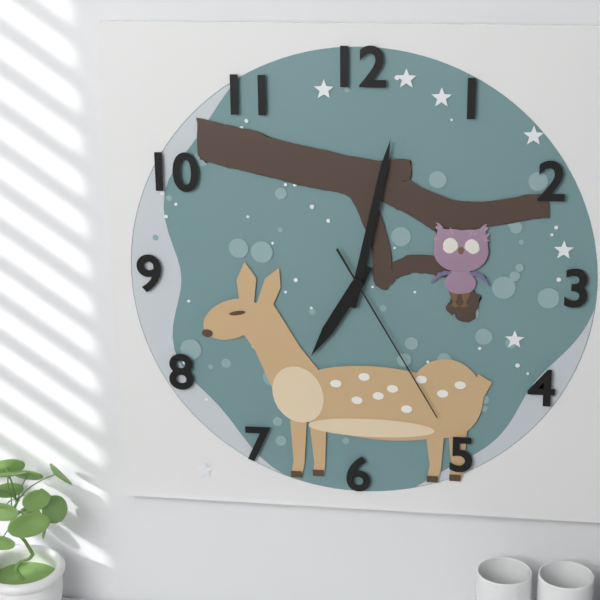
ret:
7:02:25
